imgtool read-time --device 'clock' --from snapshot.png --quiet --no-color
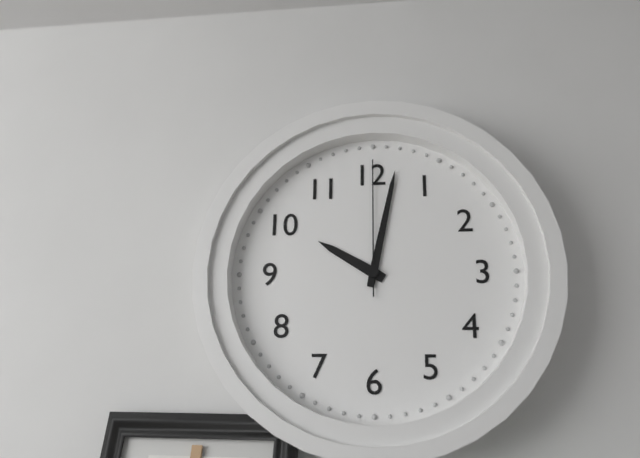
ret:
10:02:00
